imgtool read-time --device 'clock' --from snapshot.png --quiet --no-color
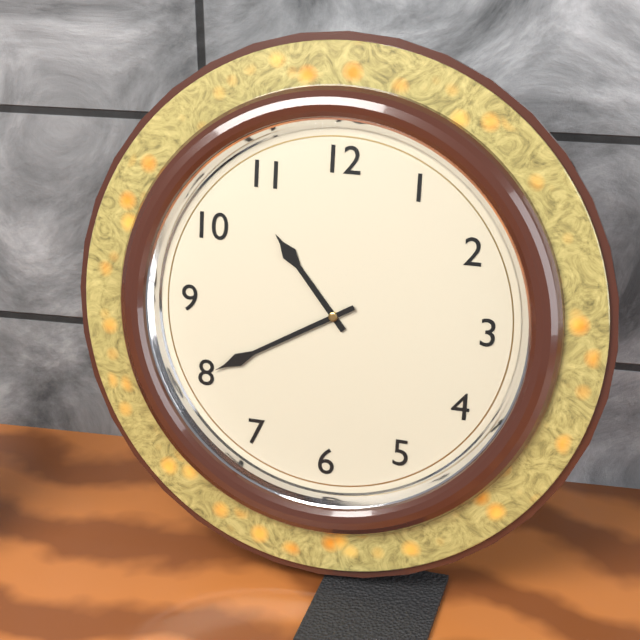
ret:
10:40
